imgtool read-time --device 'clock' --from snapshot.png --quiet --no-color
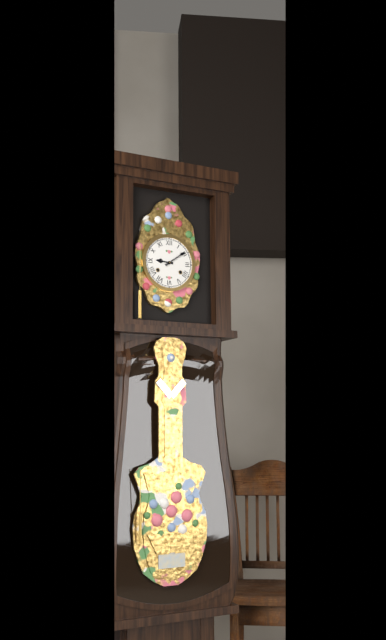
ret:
9:09
